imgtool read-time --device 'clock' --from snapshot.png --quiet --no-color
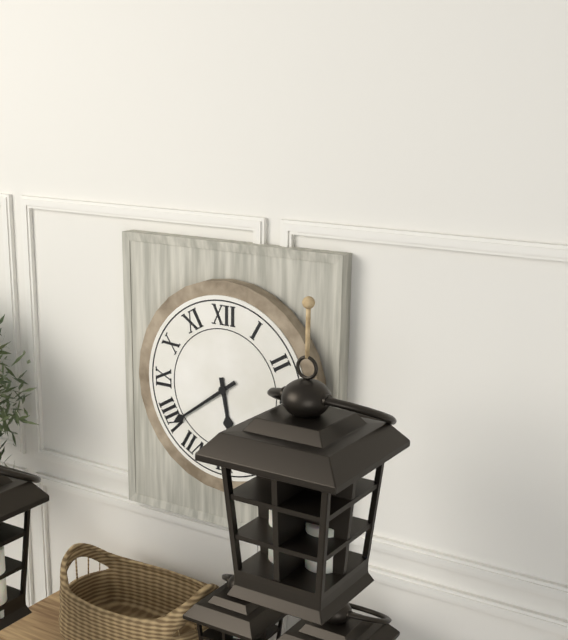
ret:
5:39
